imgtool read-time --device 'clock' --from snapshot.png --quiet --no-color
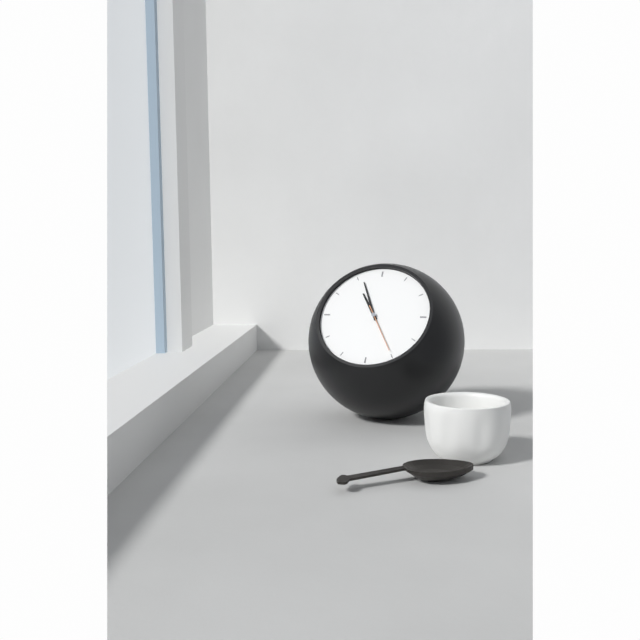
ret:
10:56
